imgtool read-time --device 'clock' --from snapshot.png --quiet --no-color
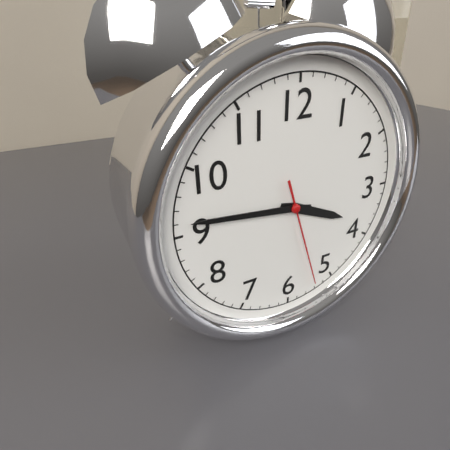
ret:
3:46:27
